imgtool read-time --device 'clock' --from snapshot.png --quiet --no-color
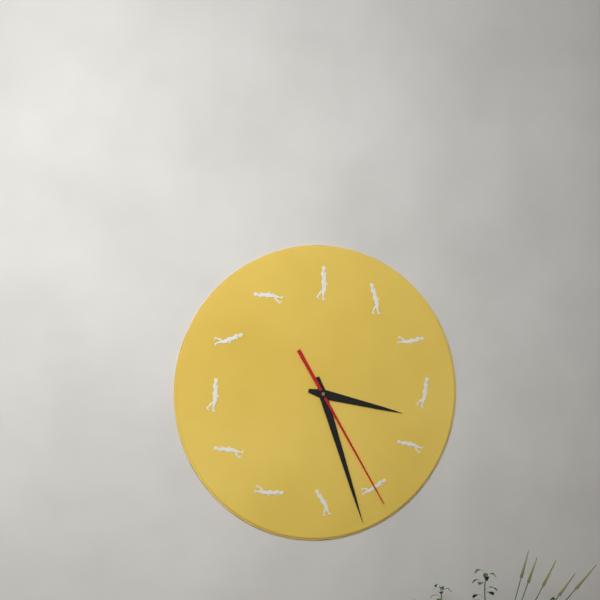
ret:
3:27:25
